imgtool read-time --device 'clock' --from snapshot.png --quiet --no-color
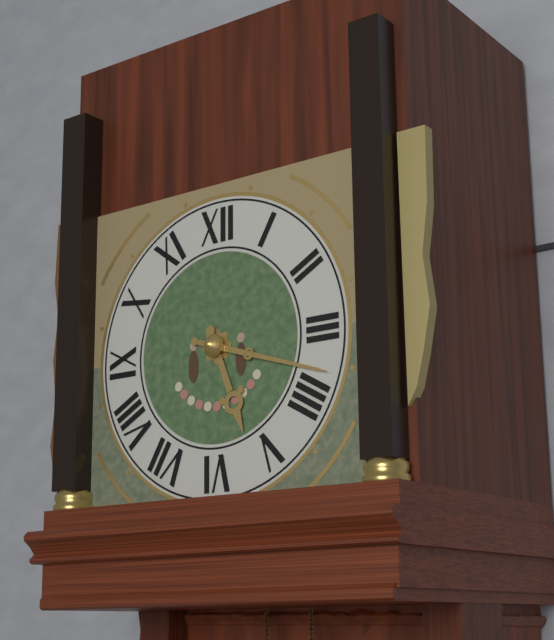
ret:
5:18
